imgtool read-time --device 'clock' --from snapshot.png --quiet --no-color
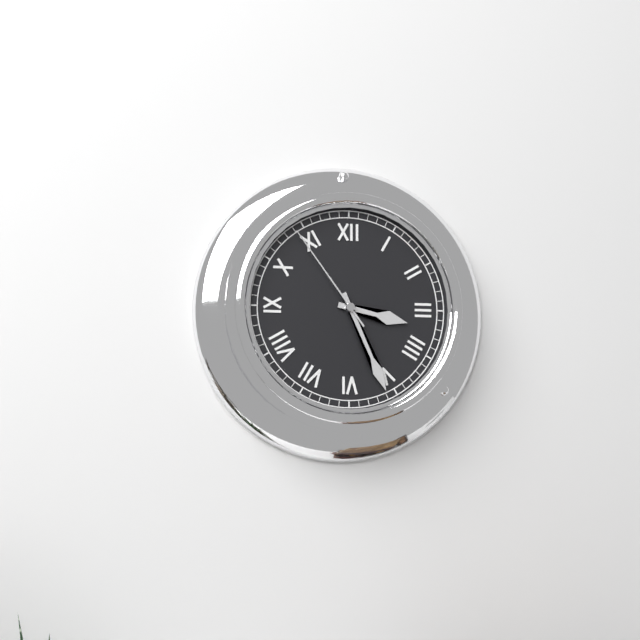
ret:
3:26:54
